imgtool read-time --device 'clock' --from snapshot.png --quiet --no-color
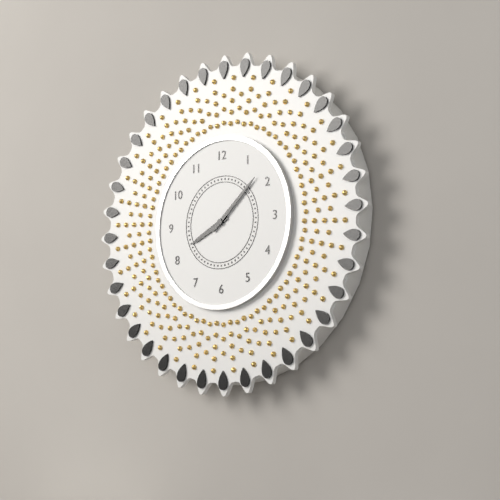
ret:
8:08
